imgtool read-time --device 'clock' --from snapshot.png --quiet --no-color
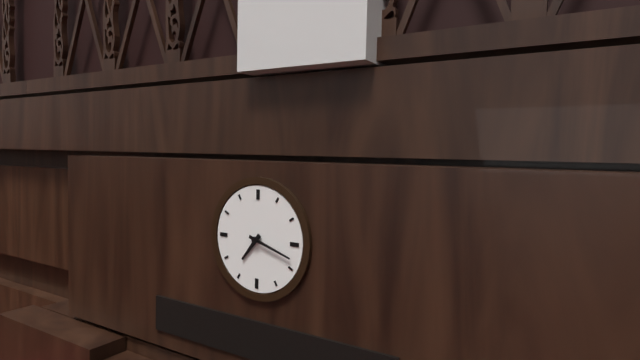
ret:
7:18
